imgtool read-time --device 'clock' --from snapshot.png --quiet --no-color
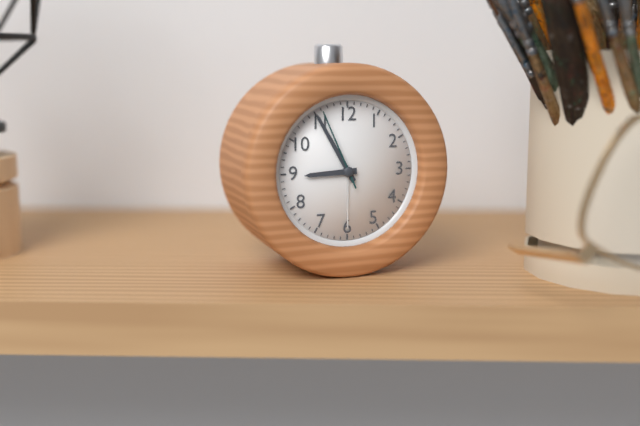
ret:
8:55:56
